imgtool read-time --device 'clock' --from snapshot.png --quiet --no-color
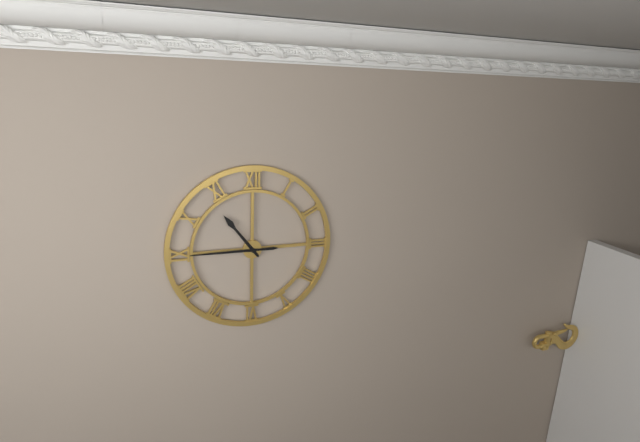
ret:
10:45
